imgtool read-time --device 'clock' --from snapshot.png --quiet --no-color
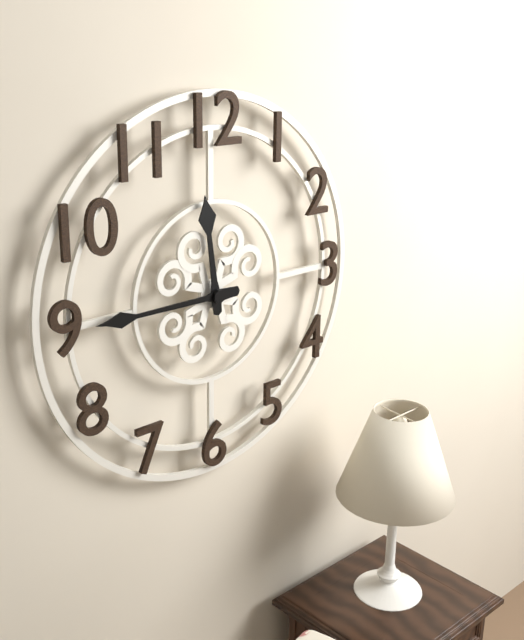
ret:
11:45
